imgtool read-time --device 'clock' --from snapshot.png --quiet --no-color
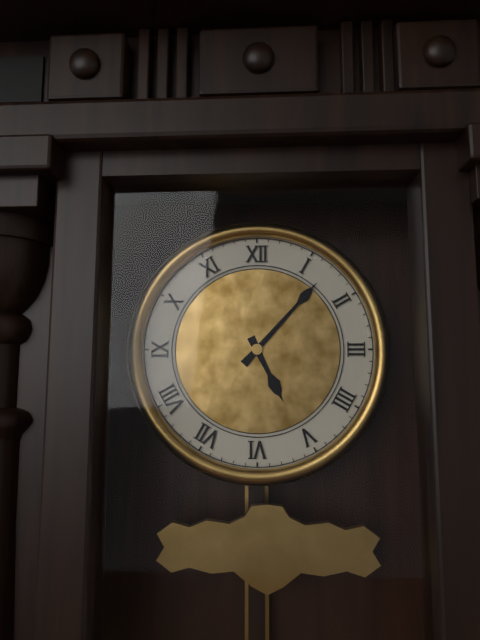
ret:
5:07
